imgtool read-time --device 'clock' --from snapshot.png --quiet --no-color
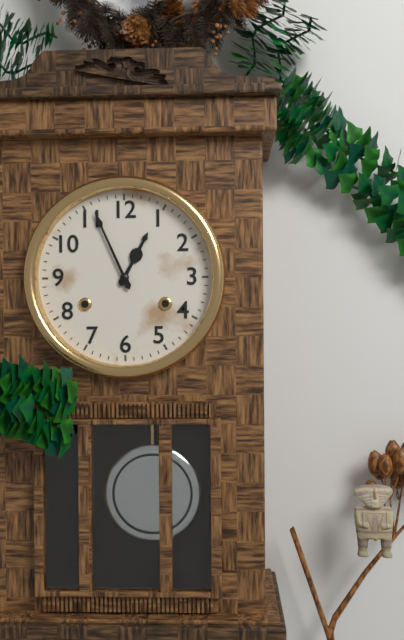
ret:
12:56
